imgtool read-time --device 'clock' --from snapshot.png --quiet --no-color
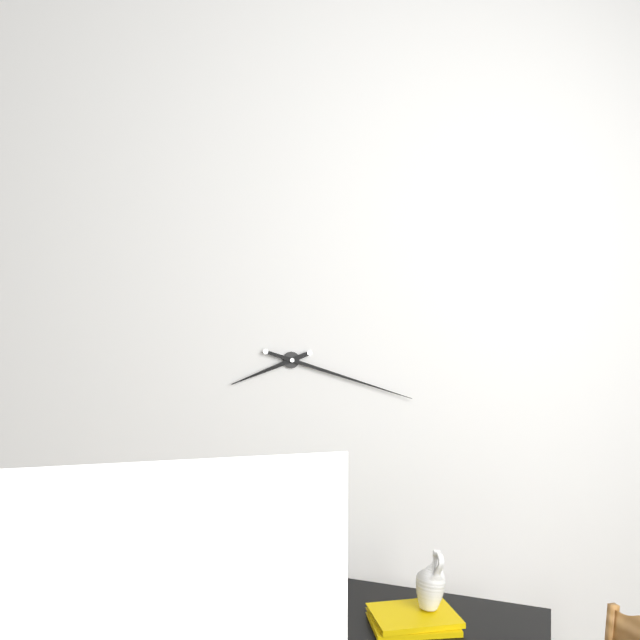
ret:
8:18
